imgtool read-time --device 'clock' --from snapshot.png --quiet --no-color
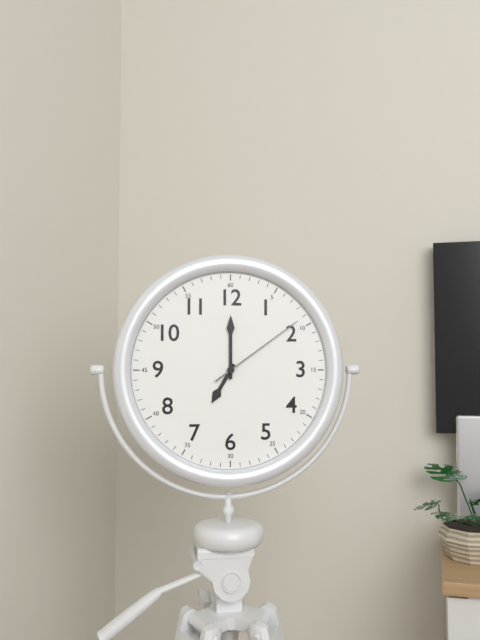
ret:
7:00:09
